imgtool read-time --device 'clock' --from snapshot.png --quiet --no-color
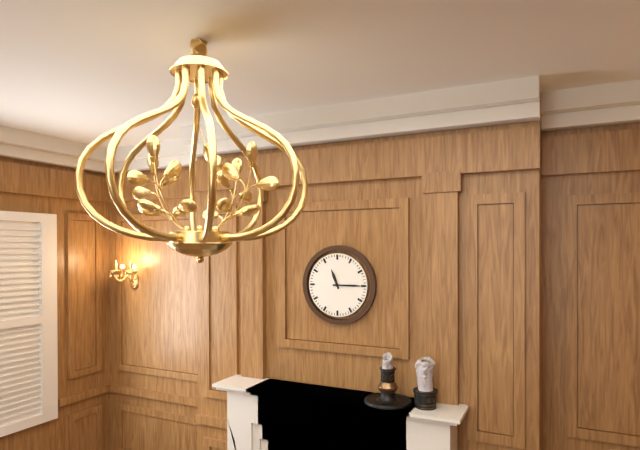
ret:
11:15
